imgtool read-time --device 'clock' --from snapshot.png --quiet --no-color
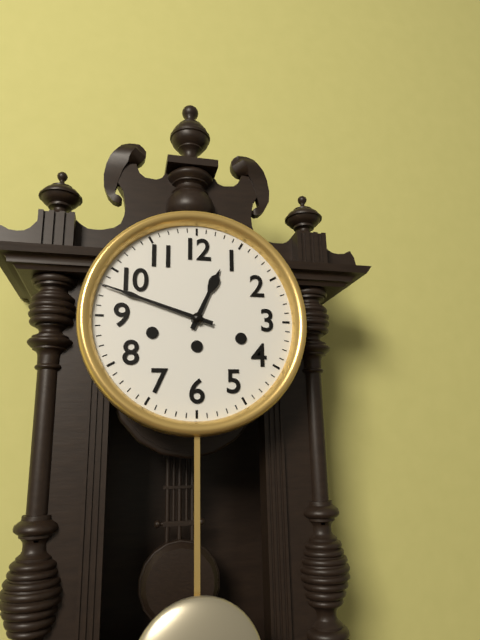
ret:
12:48
